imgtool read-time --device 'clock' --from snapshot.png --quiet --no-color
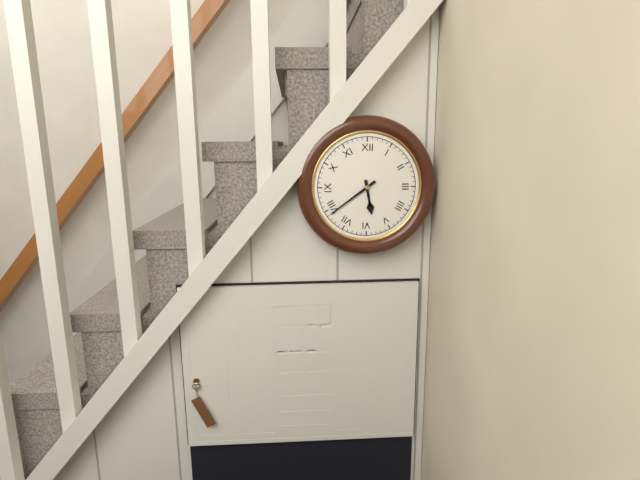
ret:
5:39
